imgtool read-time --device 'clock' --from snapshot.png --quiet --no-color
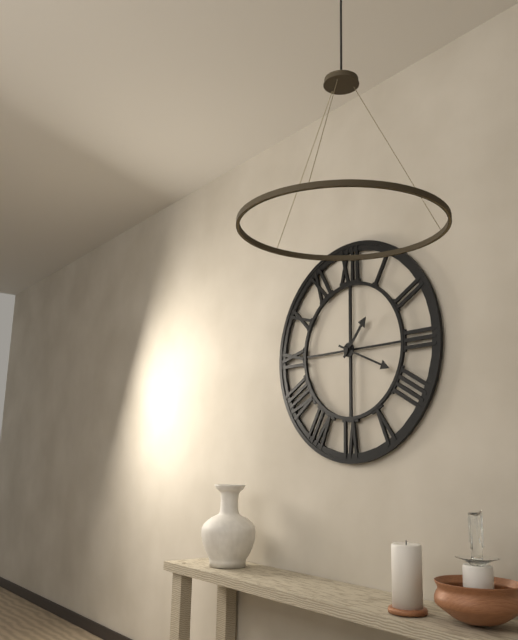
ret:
1:19
